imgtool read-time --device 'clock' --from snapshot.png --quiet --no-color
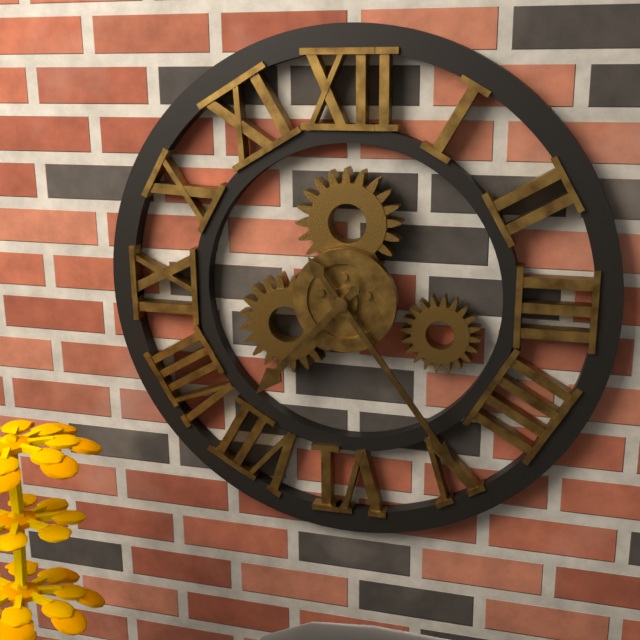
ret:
7:24
